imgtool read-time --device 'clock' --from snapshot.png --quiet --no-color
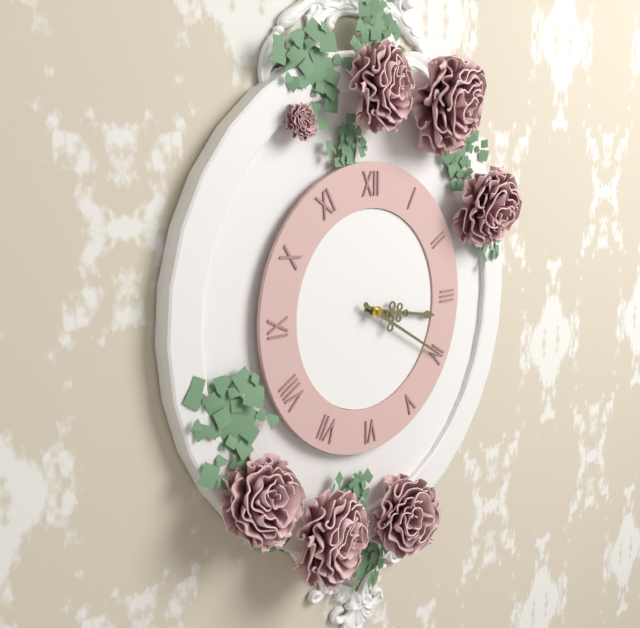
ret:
3:20
